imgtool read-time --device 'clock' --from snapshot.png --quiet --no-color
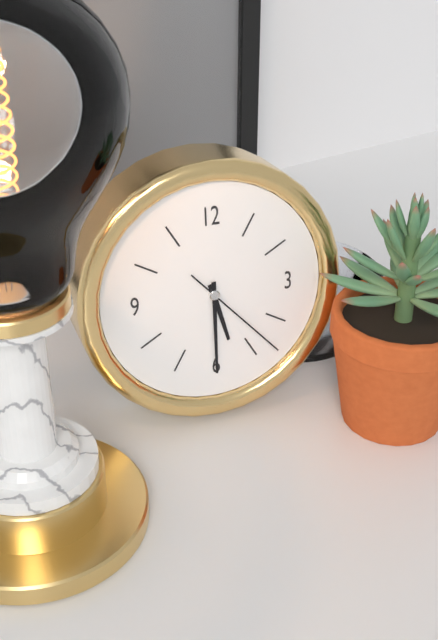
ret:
5:30:23
